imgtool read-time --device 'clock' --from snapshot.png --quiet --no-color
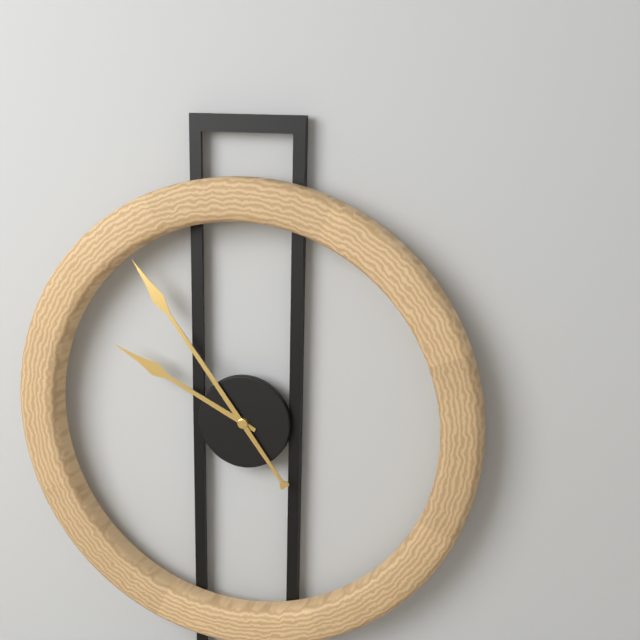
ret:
9:54
